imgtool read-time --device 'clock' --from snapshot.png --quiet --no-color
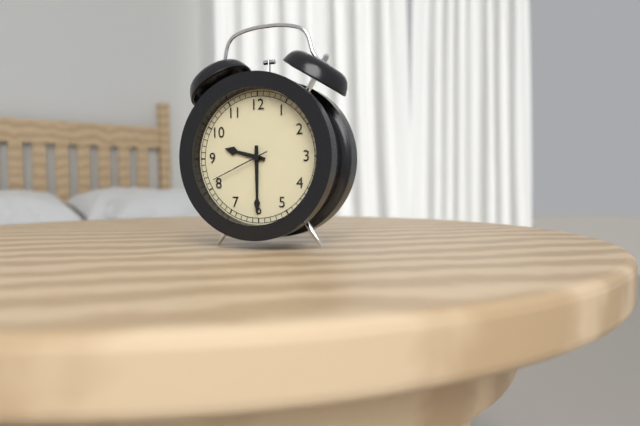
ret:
9:30:41
